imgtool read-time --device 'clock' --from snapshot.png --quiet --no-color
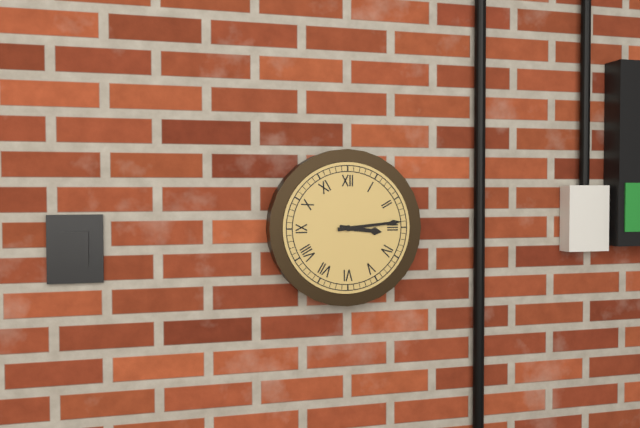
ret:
3:14
